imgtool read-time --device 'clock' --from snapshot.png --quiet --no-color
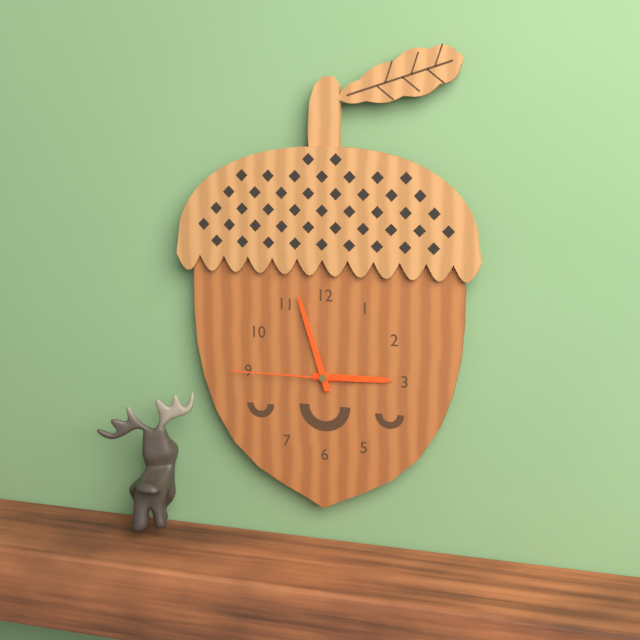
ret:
2:57:45
